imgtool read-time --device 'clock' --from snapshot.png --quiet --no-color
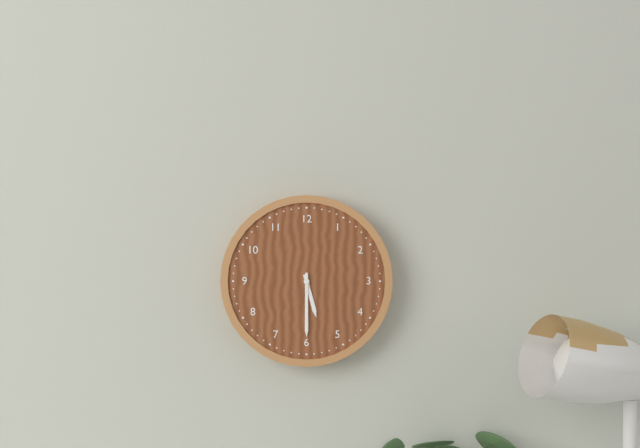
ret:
5:30
